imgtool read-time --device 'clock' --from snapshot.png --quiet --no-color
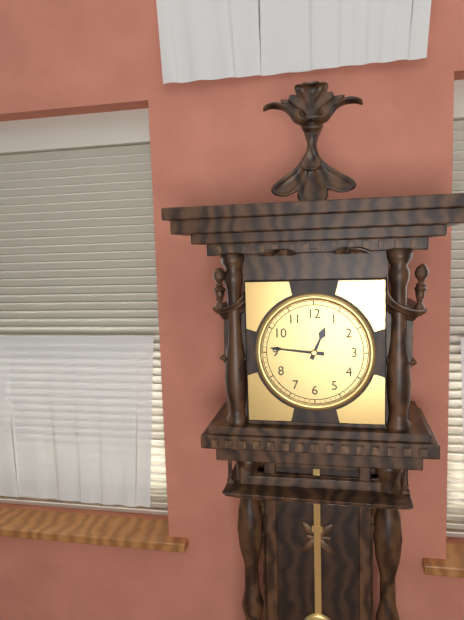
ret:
12:46
